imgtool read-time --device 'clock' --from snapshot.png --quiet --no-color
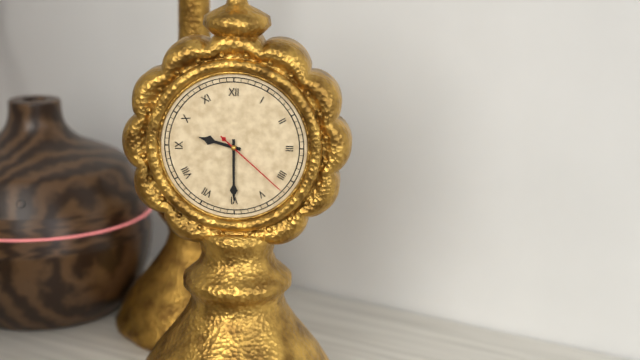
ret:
9:30:22
